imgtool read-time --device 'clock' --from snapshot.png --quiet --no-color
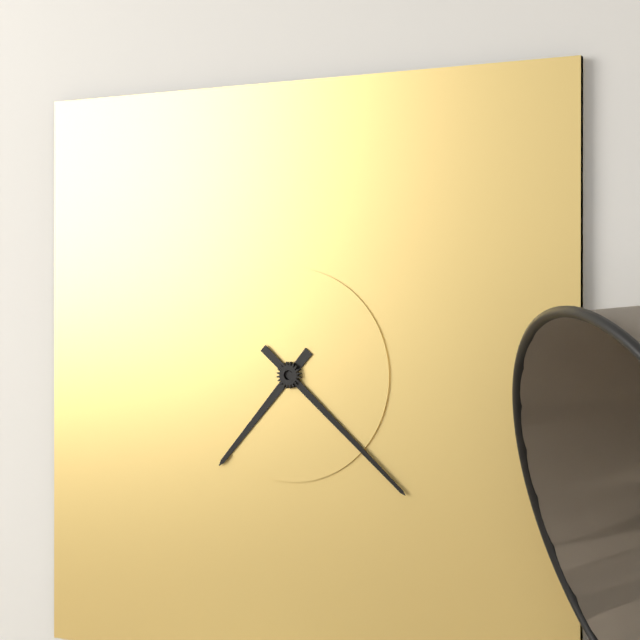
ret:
7:22
